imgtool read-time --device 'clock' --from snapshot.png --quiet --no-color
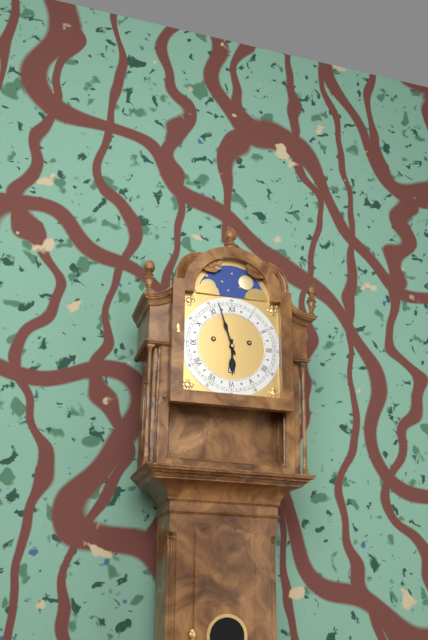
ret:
5:57
